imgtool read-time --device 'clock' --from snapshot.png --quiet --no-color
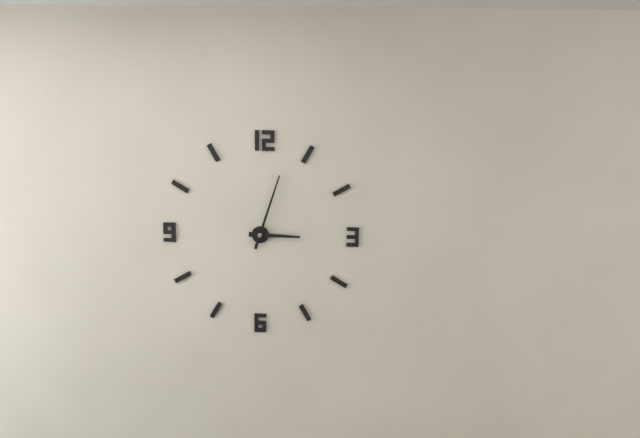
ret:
3:03
